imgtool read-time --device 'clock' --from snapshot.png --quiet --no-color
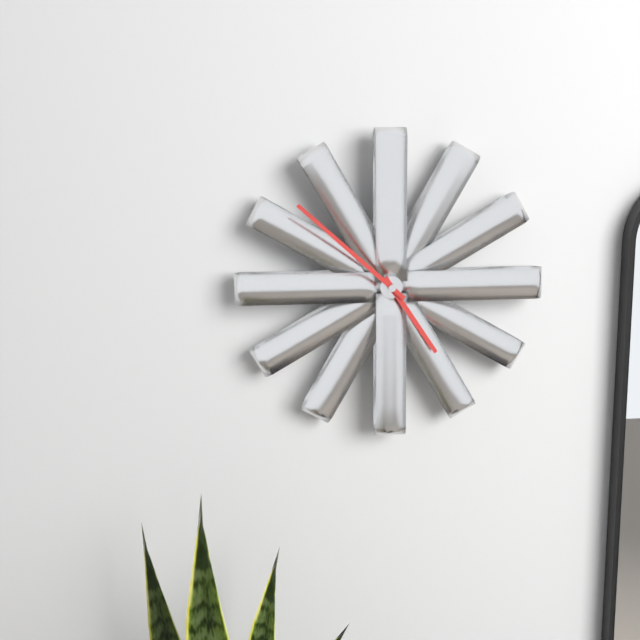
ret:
4:52
